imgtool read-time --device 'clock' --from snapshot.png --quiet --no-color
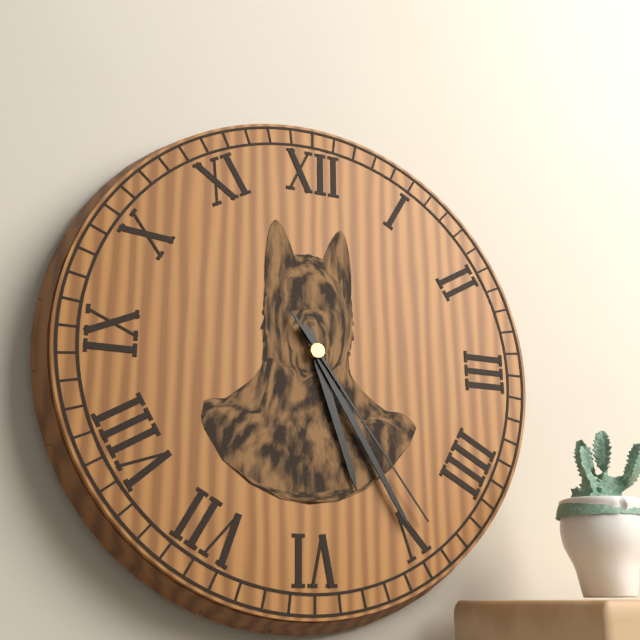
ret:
5:25:24
